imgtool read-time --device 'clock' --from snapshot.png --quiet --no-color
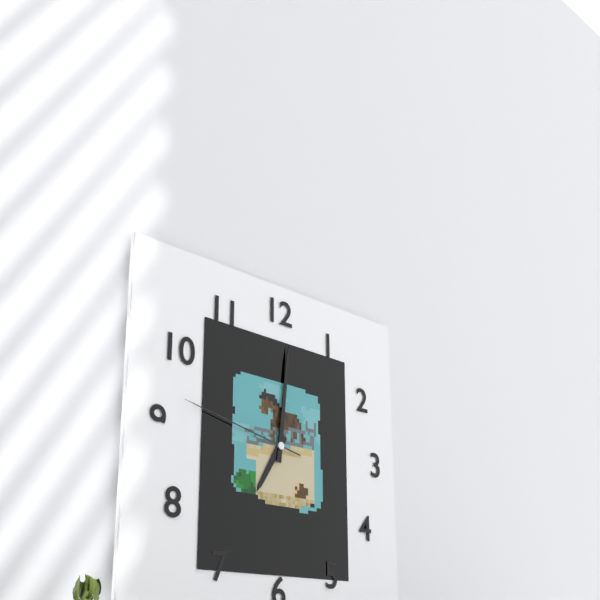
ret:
7:01:47
